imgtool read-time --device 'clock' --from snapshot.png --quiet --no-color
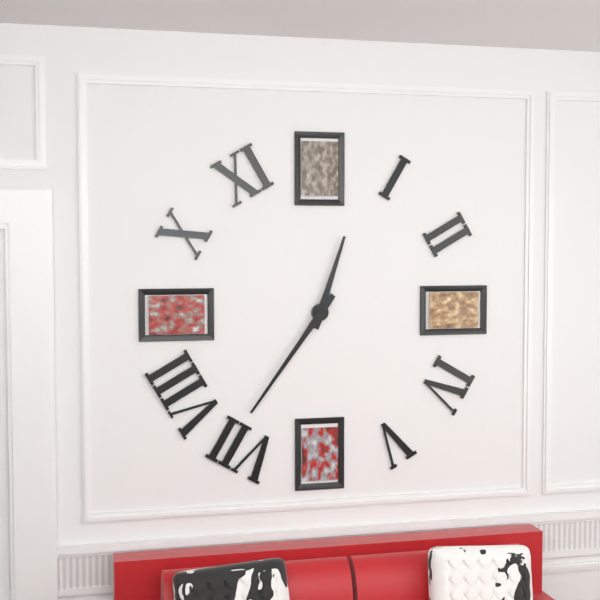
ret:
12:36
